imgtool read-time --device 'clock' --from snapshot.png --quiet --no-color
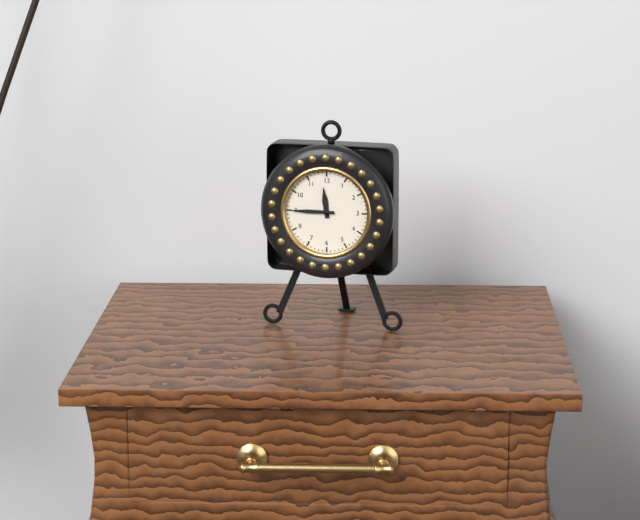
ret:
11:45
